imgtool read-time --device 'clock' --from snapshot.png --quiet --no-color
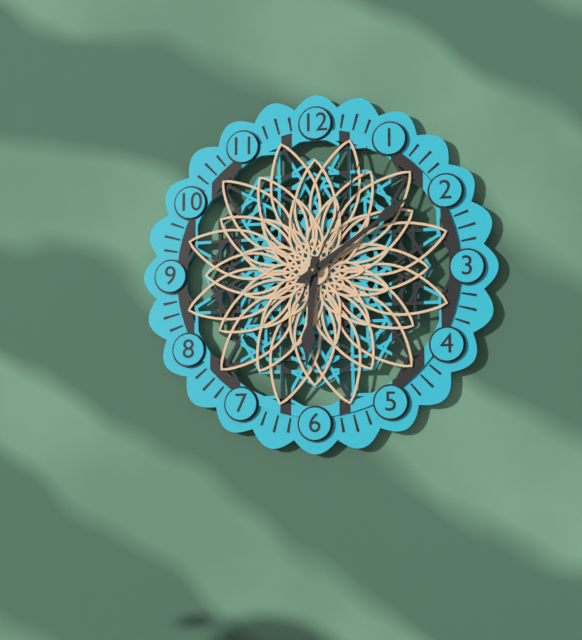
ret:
6:09:04
